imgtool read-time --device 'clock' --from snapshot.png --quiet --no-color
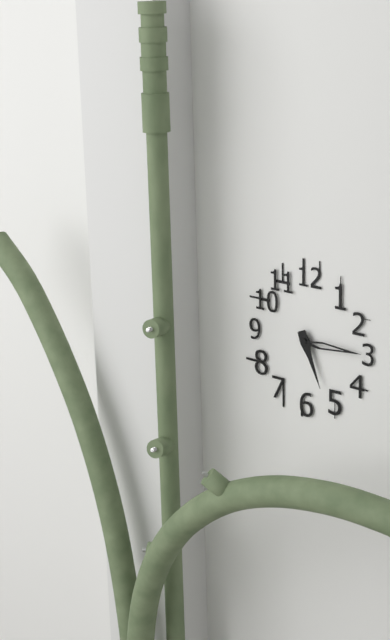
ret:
5:15
